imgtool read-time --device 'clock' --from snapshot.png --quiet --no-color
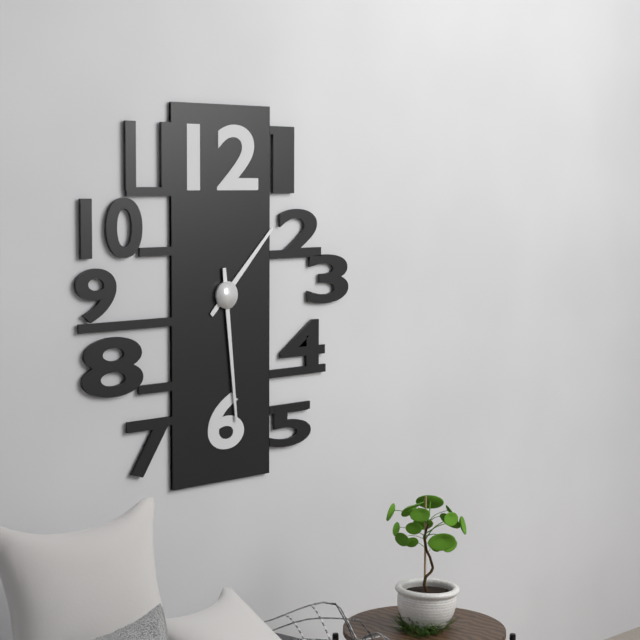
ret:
1:29
